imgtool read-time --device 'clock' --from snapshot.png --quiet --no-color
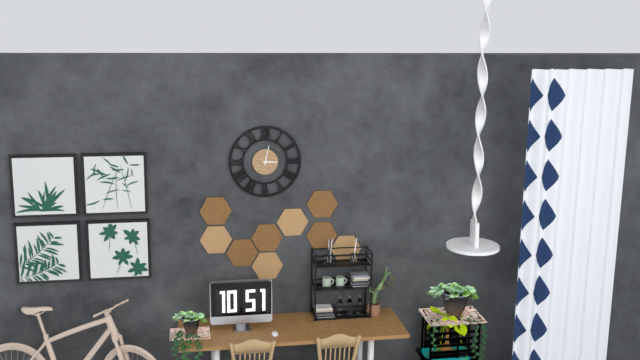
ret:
3:02
